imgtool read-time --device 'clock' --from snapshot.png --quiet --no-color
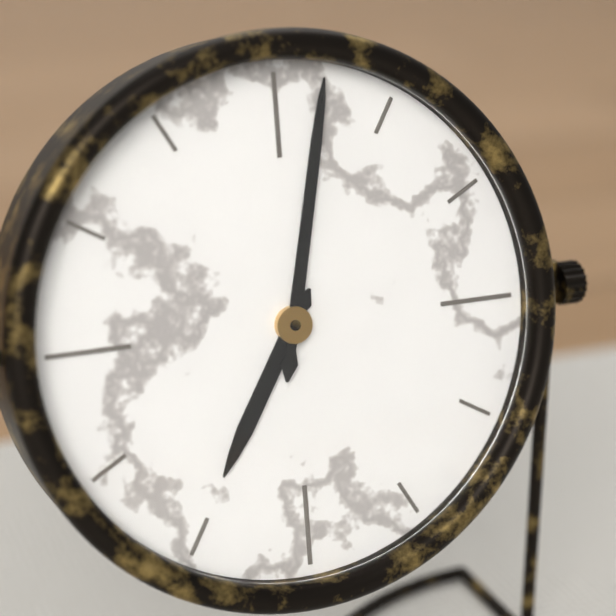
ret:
7:02
